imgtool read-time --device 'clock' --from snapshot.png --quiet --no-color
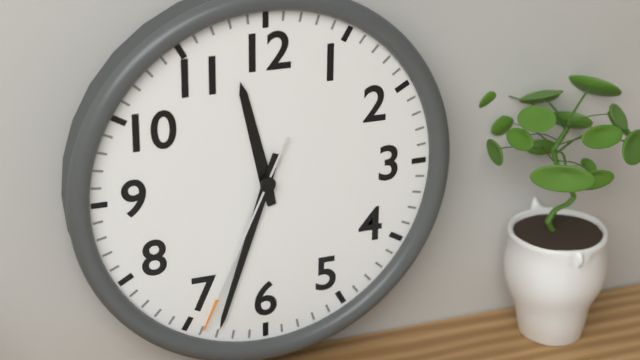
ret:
11:33:34
